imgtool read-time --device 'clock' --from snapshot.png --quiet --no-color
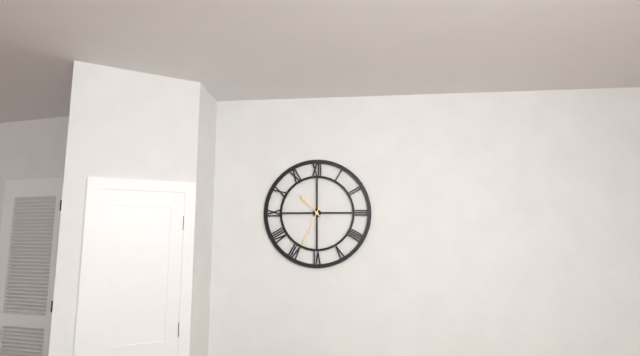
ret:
10:34
